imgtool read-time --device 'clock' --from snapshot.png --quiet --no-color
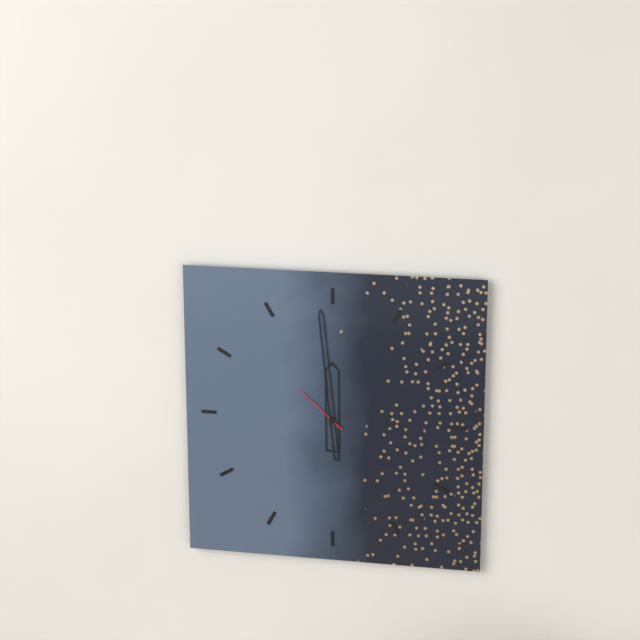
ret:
11:59:52
